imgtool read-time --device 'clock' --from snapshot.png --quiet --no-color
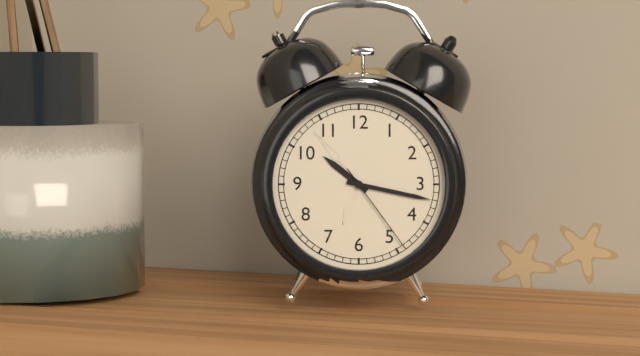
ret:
10:17:24
